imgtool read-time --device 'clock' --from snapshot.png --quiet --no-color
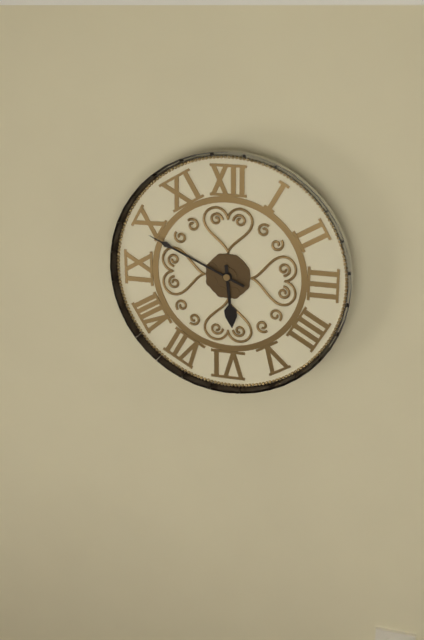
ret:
5:49
